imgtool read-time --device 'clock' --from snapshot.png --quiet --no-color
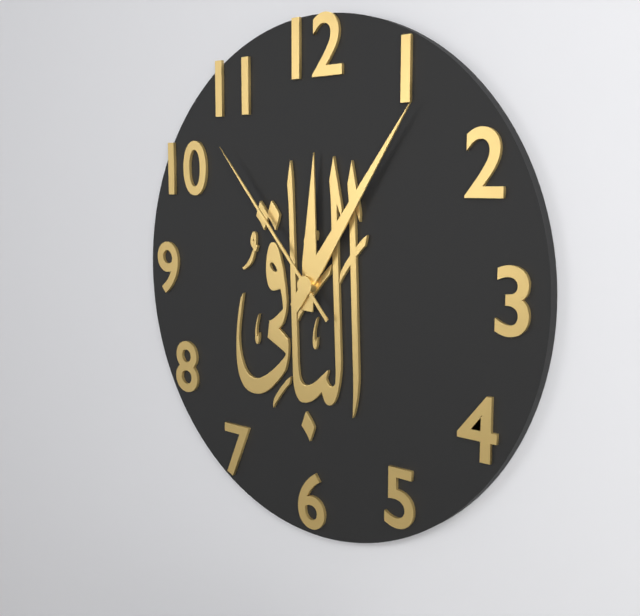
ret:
12:06:53
